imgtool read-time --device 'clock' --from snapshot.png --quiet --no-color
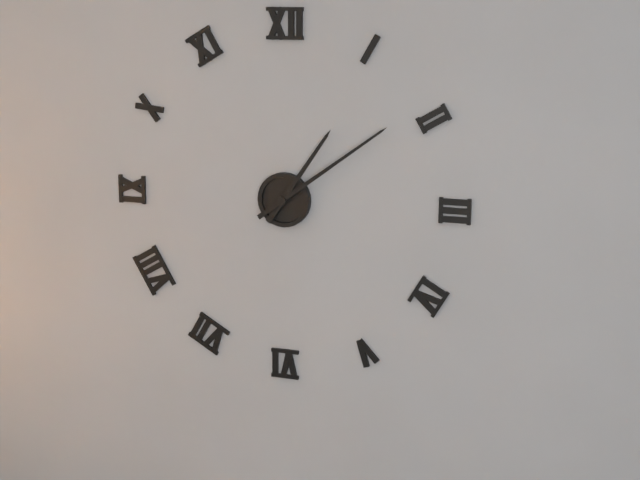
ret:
1:09
